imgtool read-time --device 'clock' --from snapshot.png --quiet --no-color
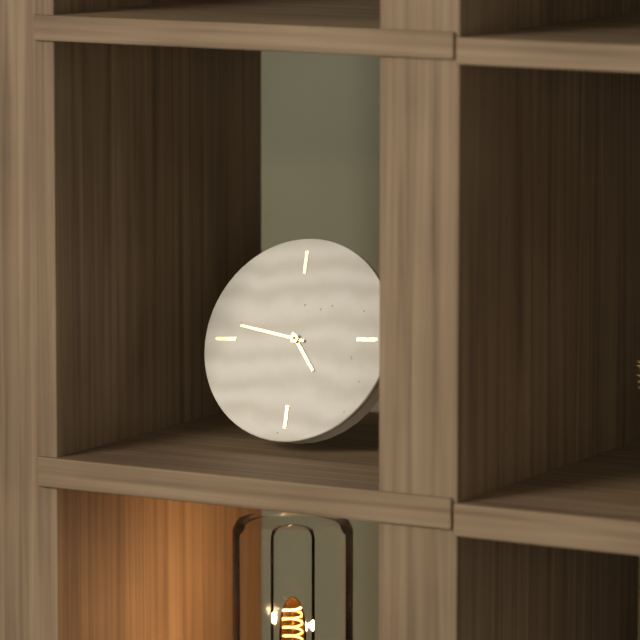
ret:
4:47
